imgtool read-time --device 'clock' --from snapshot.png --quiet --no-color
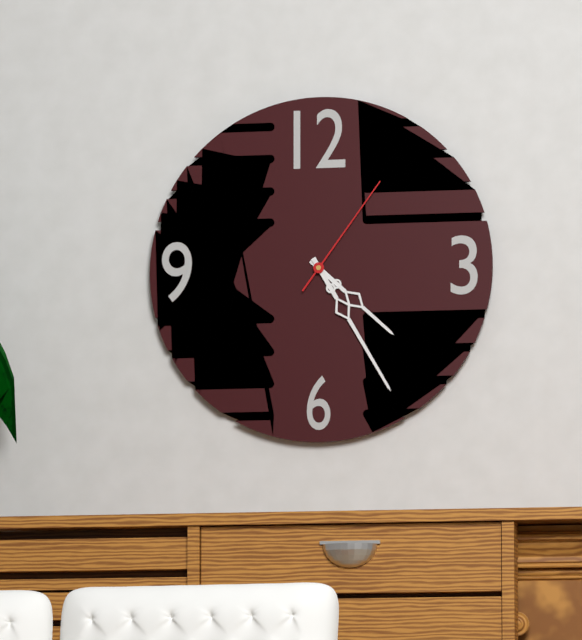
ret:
4:25:06
